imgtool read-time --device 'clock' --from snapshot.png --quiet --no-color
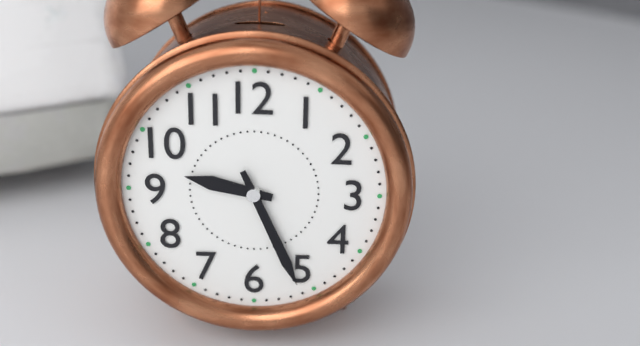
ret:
9:26
